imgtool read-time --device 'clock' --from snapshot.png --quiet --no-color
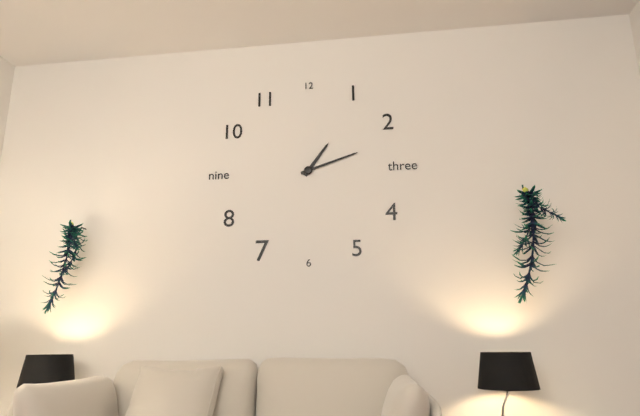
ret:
1:12
